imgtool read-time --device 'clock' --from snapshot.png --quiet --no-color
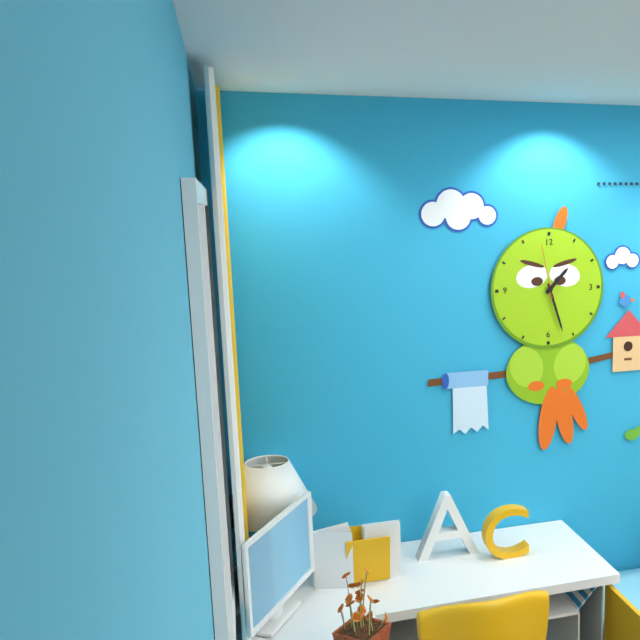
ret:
1:27:58
